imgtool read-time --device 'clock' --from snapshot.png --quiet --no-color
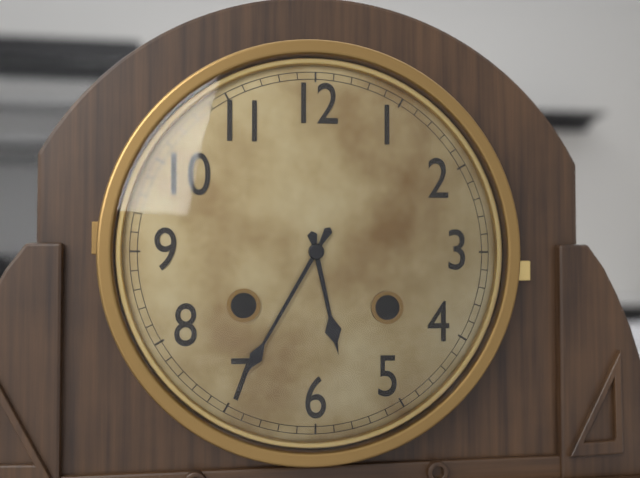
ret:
5:35
